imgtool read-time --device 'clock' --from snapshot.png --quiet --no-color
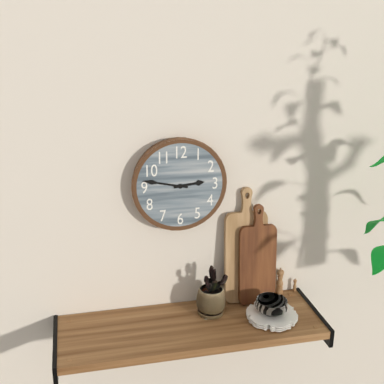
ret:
2:47
